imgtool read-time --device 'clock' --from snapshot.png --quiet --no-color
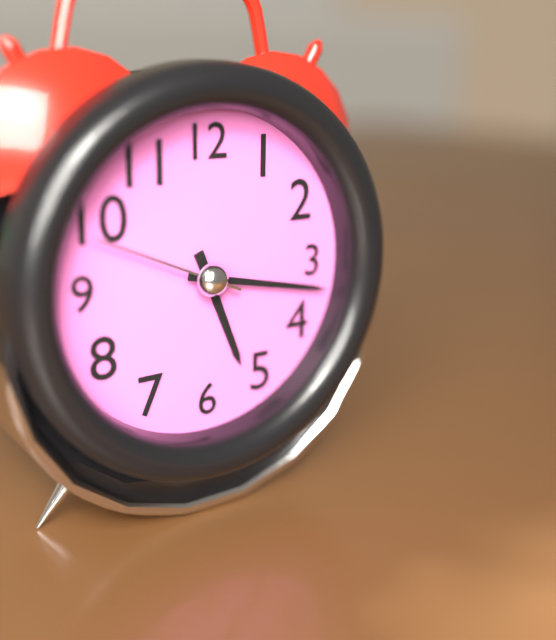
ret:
5:17:49
